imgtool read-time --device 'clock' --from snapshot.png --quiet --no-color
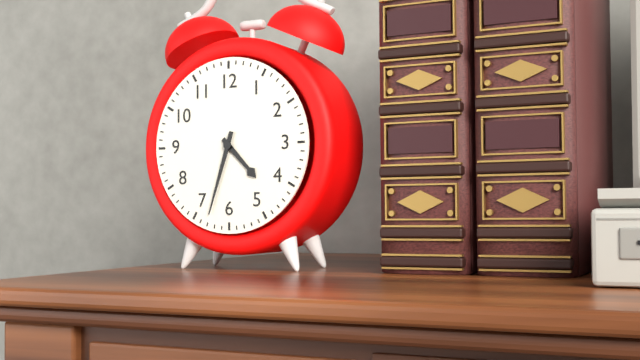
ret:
4:33
